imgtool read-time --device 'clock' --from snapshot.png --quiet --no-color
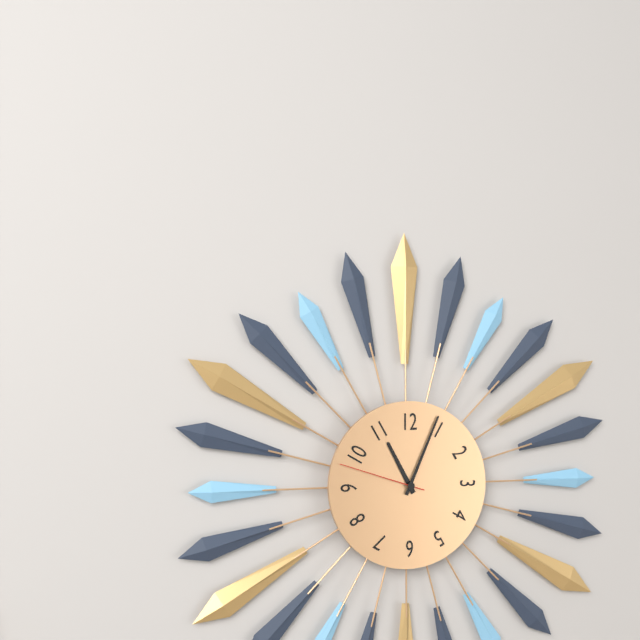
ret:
11:04:48
